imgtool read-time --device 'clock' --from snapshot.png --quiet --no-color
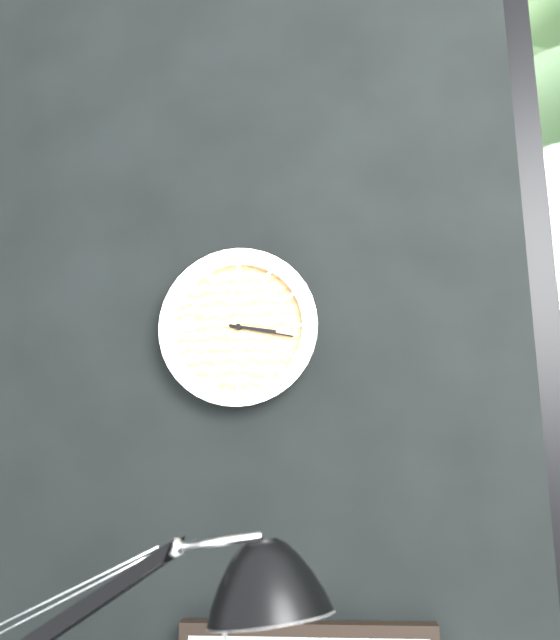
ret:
3:17
